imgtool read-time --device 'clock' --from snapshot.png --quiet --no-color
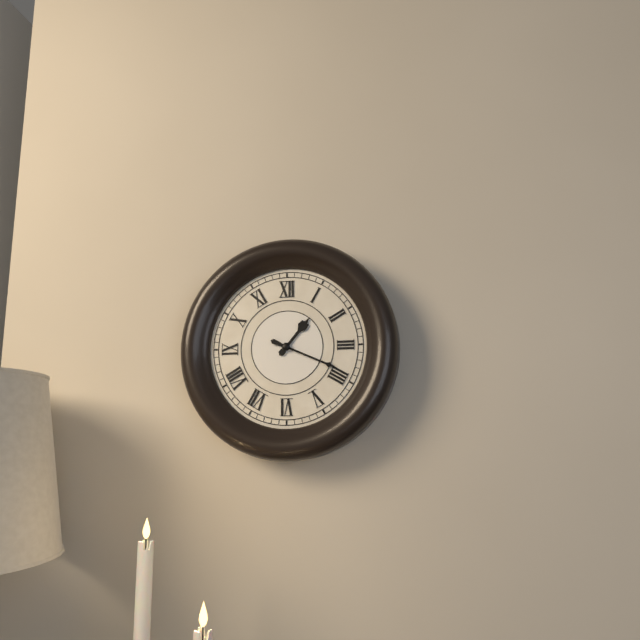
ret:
1:19
